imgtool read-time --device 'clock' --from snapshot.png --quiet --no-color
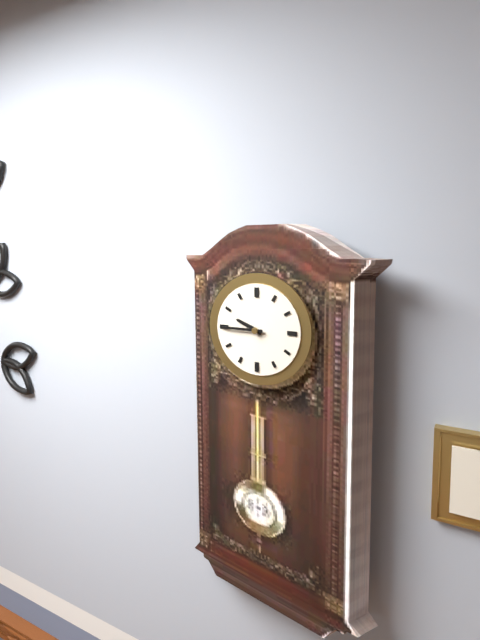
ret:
9:45
